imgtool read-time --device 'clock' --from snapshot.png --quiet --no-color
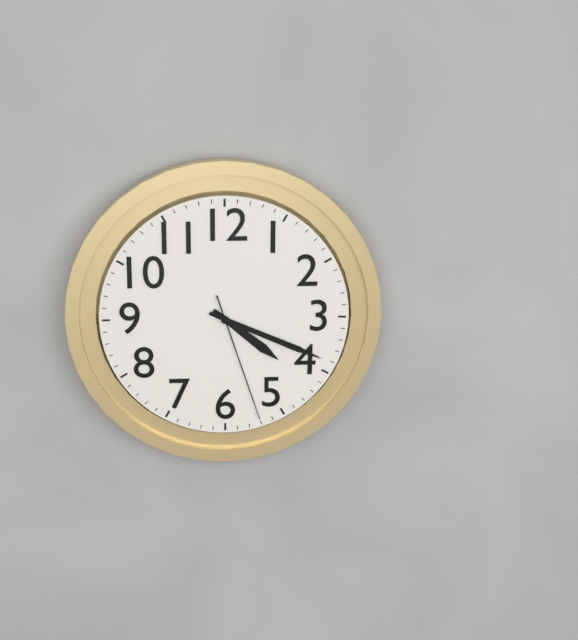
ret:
4:19:27
